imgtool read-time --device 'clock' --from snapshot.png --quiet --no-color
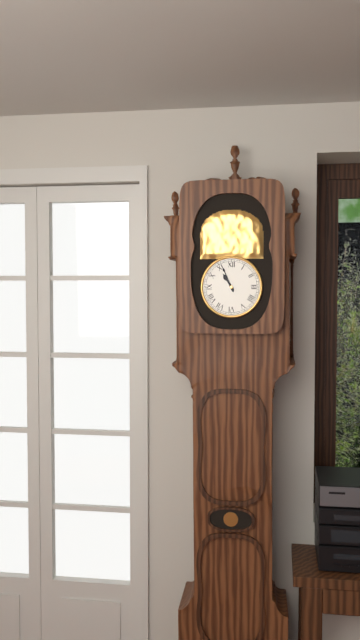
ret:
10:56
